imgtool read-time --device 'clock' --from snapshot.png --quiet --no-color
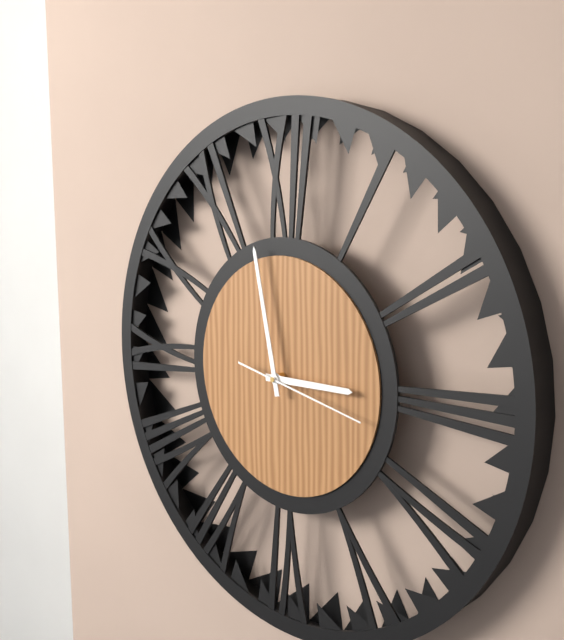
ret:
2:58:17
